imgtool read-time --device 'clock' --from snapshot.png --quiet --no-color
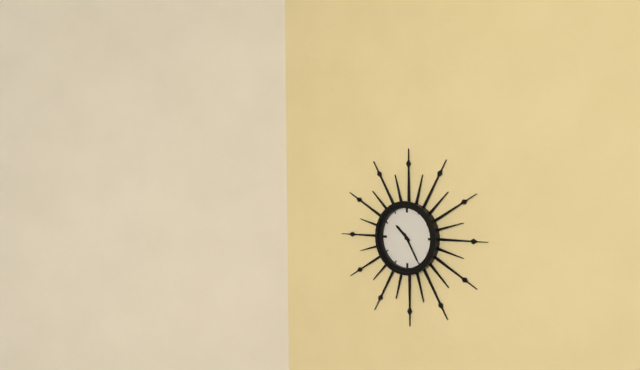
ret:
10:25
